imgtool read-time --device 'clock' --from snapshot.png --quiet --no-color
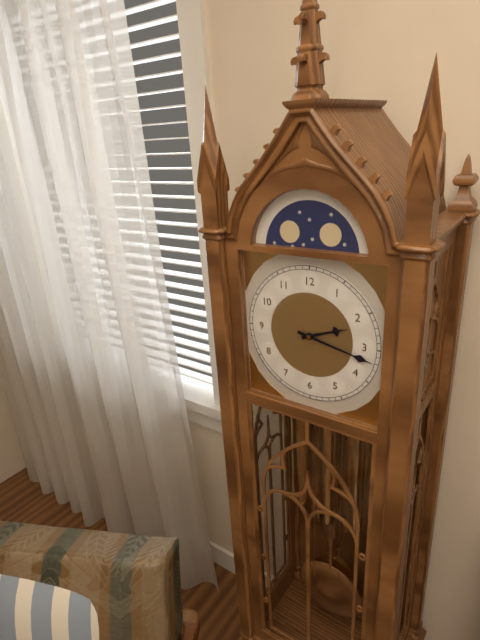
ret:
2:17
